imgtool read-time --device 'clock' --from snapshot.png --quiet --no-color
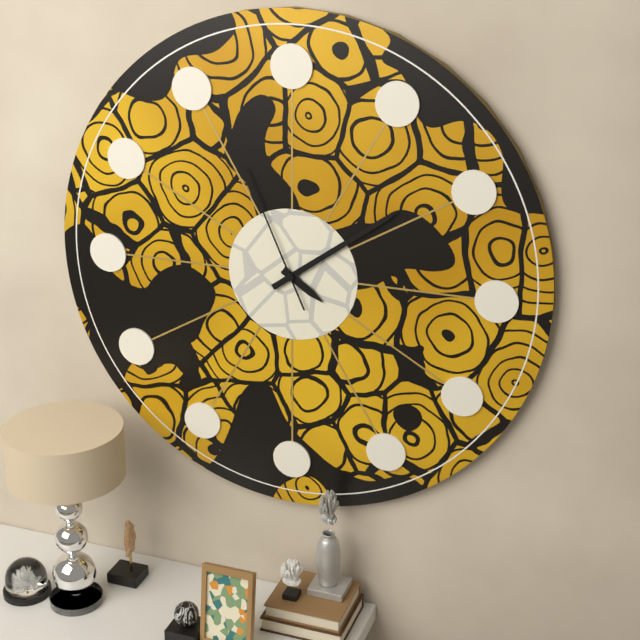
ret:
4:09:56
